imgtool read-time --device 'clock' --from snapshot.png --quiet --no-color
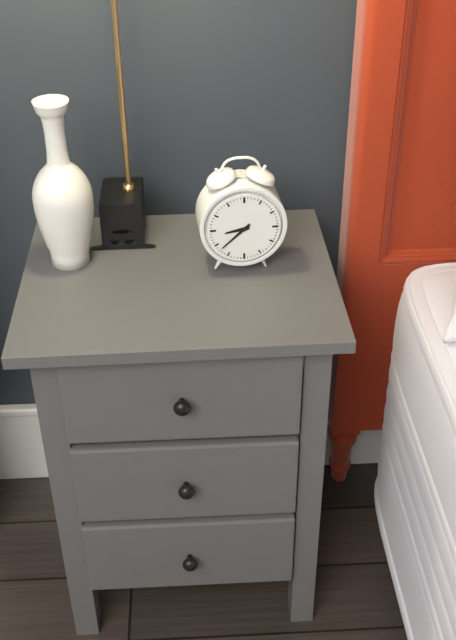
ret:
8:38
